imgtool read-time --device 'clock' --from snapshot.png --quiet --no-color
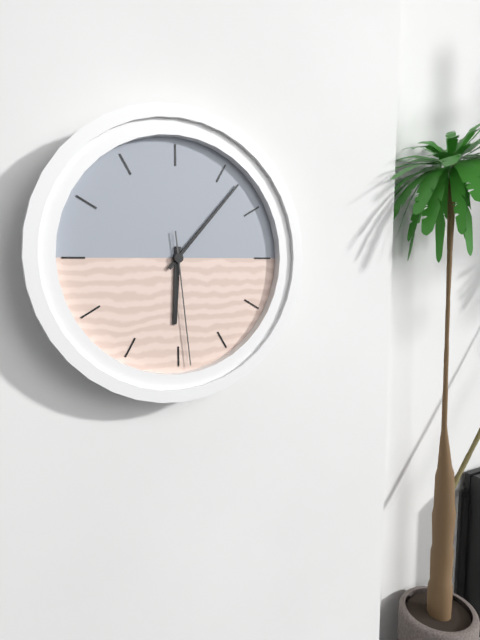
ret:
6:07:29
